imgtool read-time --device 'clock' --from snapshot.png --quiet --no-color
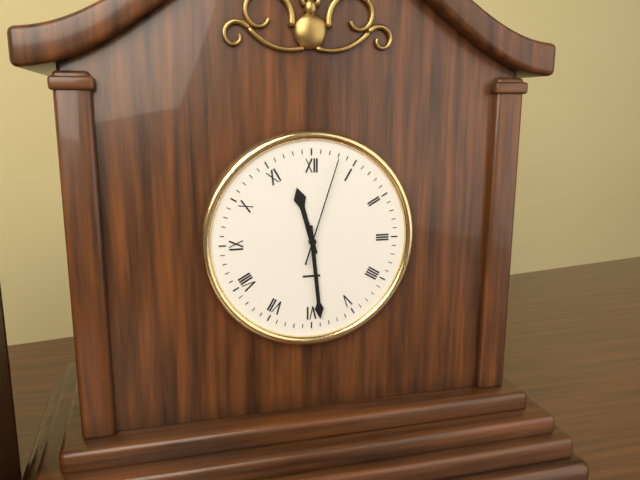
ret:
11:29:03
